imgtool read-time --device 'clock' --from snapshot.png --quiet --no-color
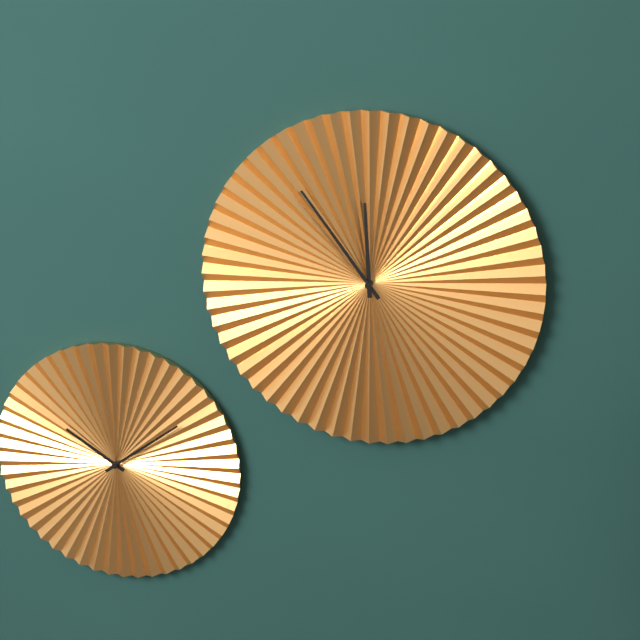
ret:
11:54
